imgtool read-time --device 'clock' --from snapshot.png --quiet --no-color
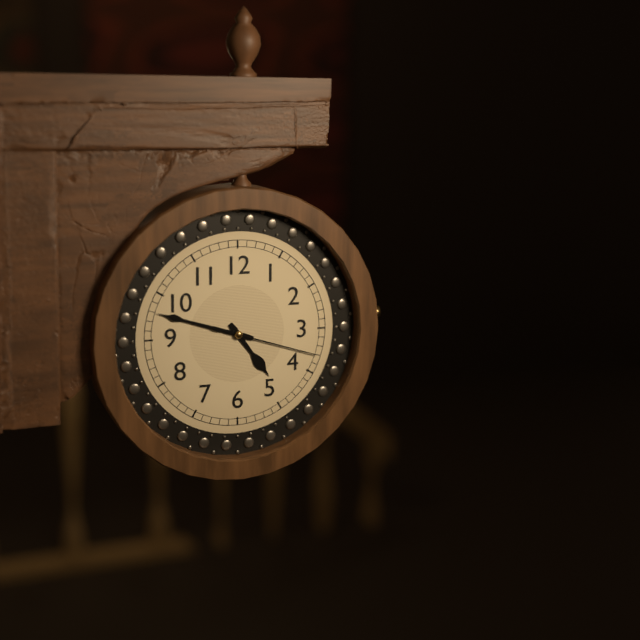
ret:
4:48:18
